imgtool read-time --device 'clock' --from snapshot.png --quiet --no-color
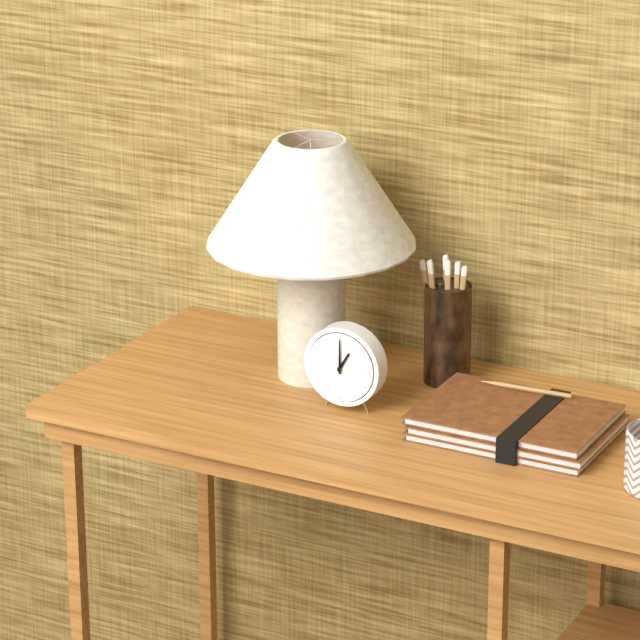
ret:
1:00
